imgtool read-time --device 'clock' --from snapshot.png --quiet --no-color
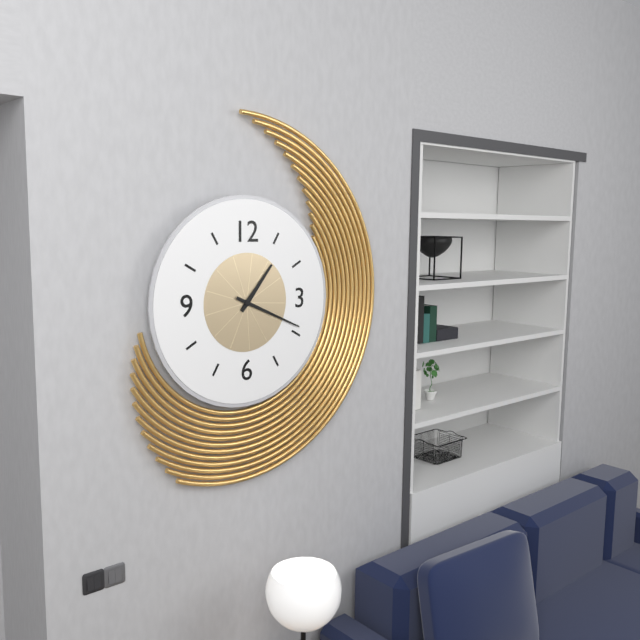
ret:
1:19
